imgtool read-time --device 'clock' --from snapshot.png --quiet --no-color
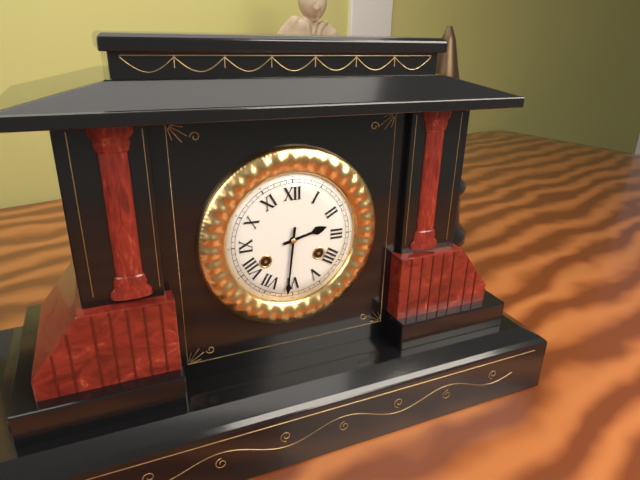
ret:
2:31
